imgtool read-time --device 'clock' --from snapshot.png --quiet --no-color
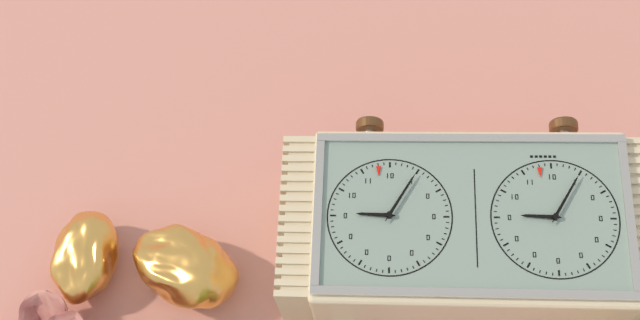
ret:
9:05
